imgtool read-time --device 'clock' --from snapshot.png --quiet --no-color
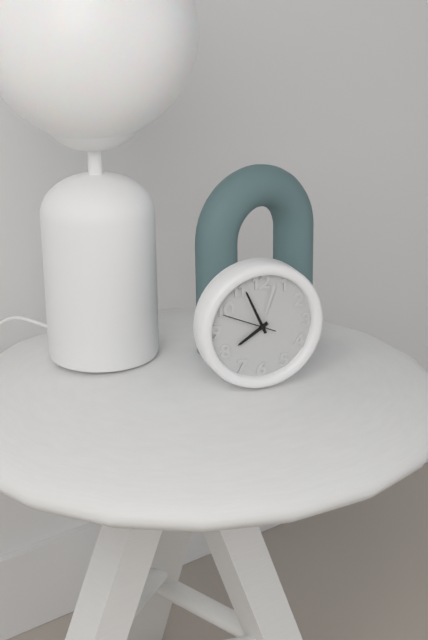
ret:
7:56:49
